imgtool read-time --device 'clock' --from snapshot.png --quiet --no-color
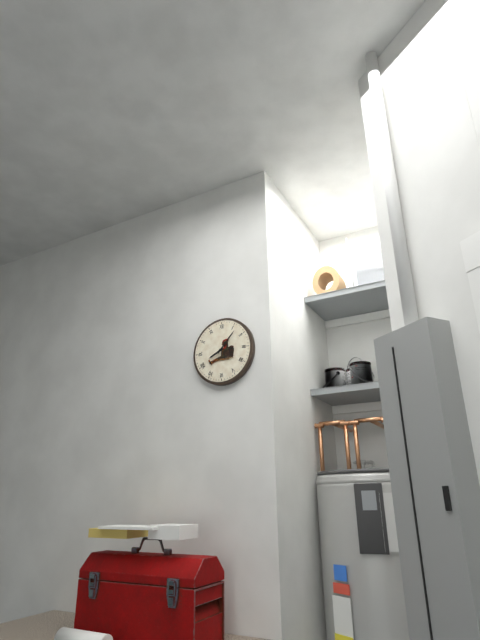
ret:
8:07
